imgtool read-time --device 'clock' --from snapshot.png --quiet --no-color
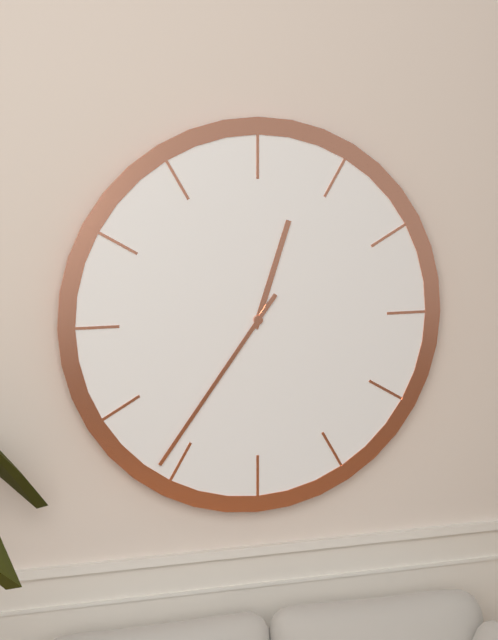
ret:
12:36
